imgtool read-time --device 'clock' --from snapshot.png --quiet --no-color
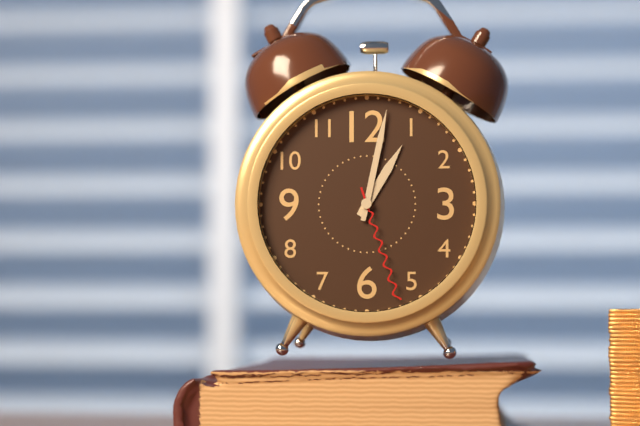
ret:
1:02:27
